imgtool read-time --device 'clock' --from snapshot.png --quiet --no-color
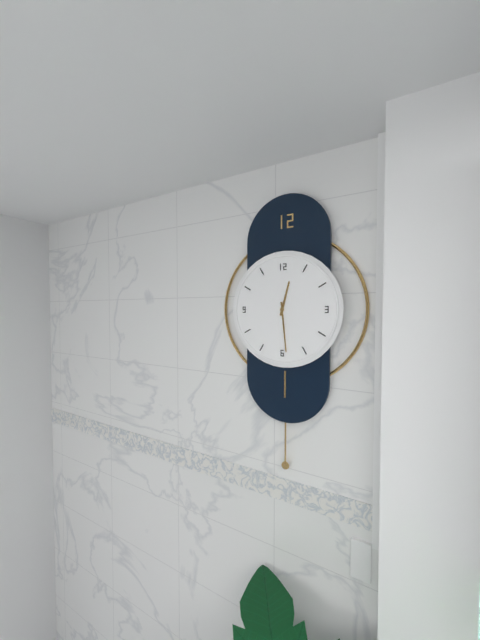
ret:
12:29
